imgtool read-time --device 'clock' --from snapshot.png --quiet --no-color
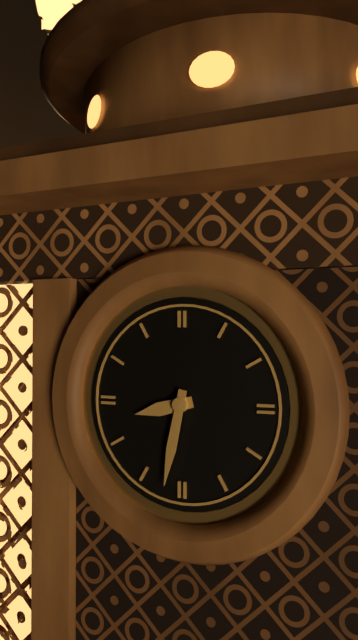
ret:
8:32
